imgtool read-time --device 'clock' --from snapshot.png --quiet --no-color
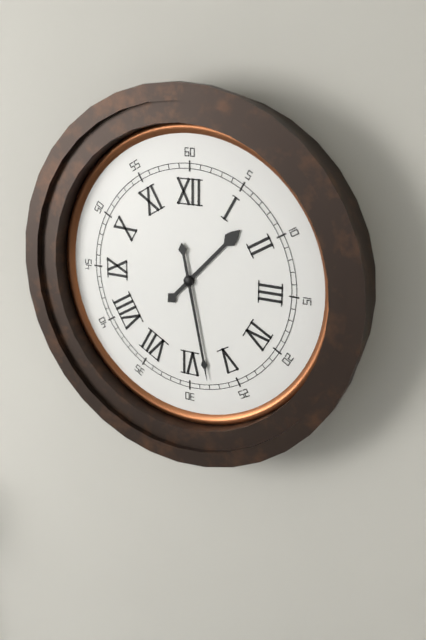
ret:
1:28
